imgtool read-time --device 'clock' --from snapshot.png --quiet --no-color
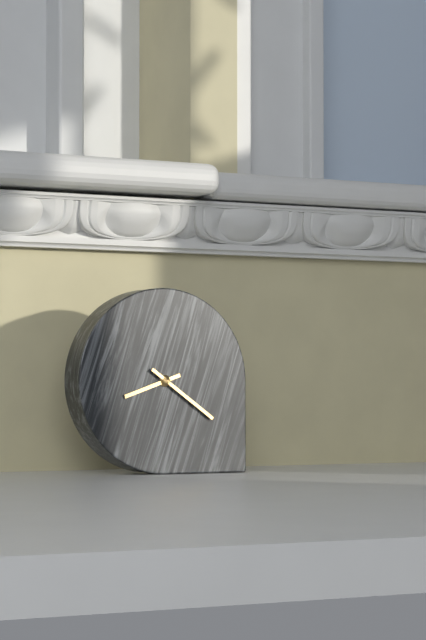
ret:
8:21
